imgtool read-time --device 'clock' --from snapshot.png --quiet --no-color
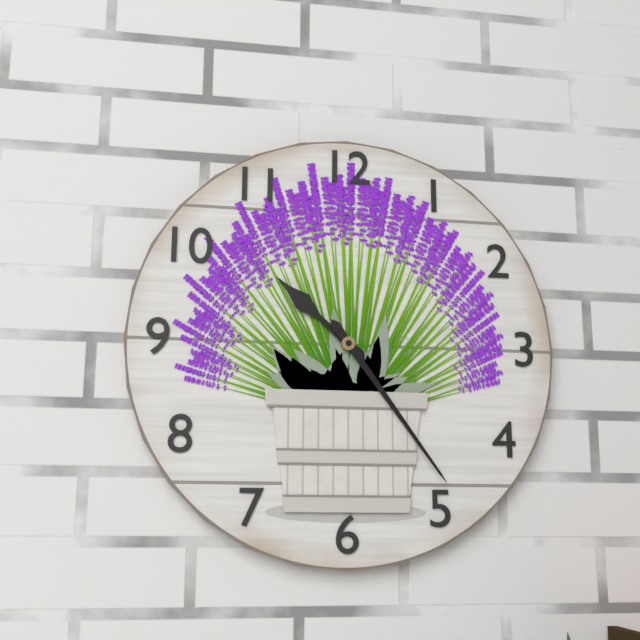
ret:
10:24
